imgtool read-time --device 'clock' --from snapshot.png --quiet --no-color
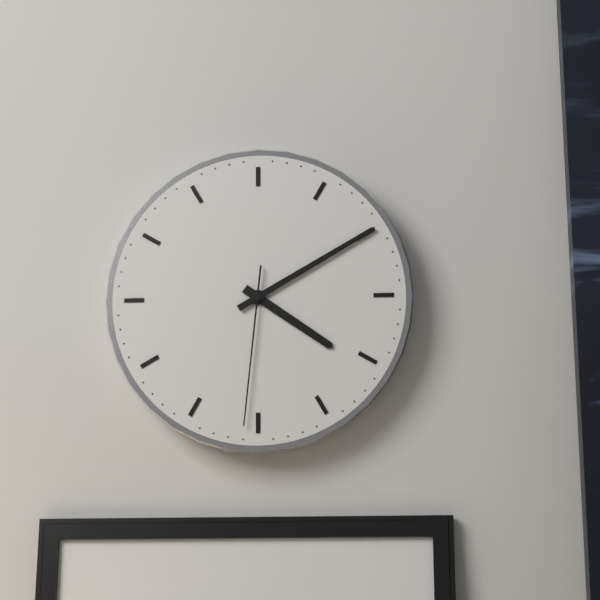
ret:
4:10:31
